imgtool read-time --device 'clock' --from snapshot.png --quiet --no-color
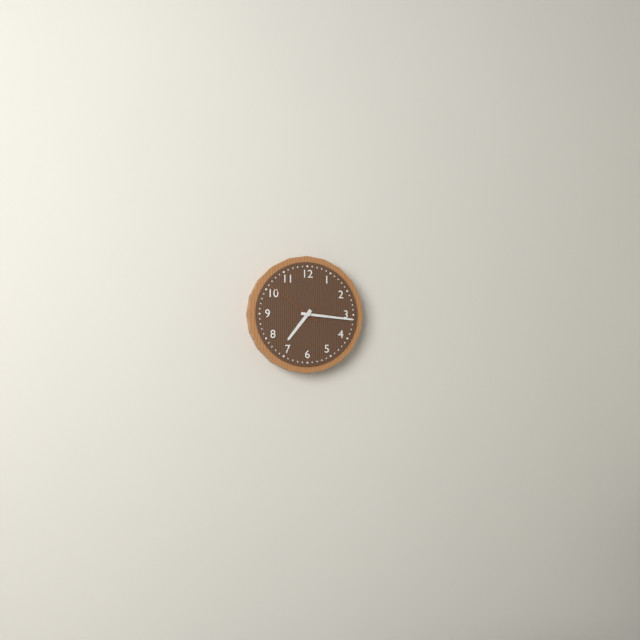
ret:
7:16:51
